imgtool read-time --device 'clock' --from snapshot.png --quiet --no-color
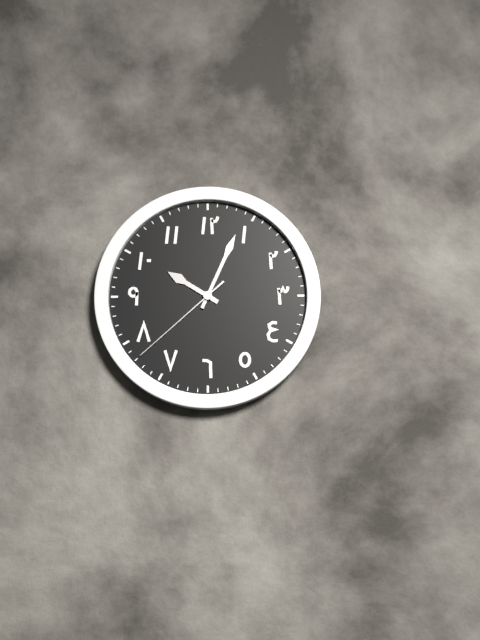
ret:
10:04:38
